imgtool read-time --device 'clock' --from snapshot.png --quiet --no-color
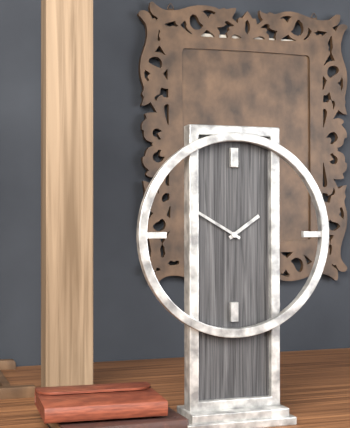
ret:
1:50
